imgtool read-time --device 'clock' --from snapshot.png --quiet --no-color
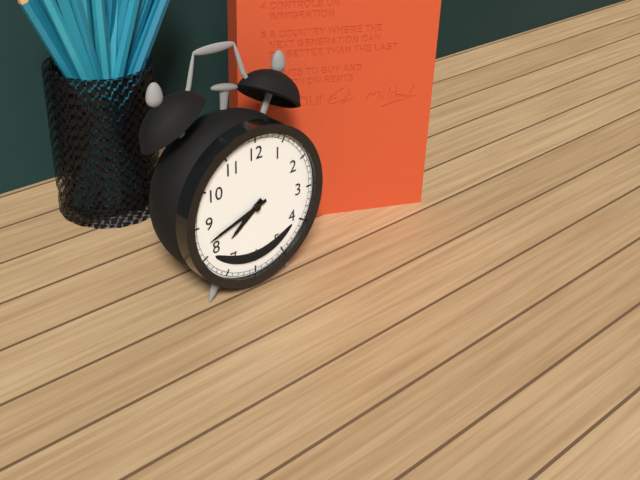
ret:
7:42
